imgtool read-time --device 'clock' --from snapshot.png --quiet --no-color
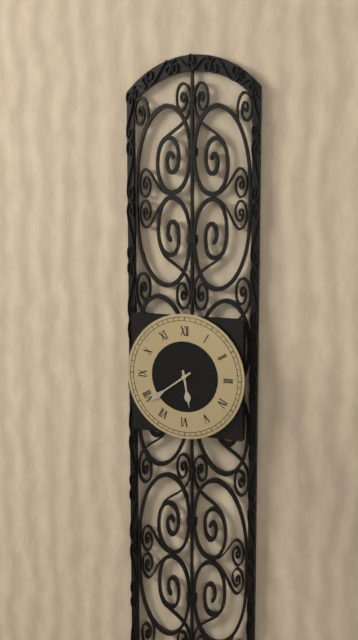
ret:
5:39
